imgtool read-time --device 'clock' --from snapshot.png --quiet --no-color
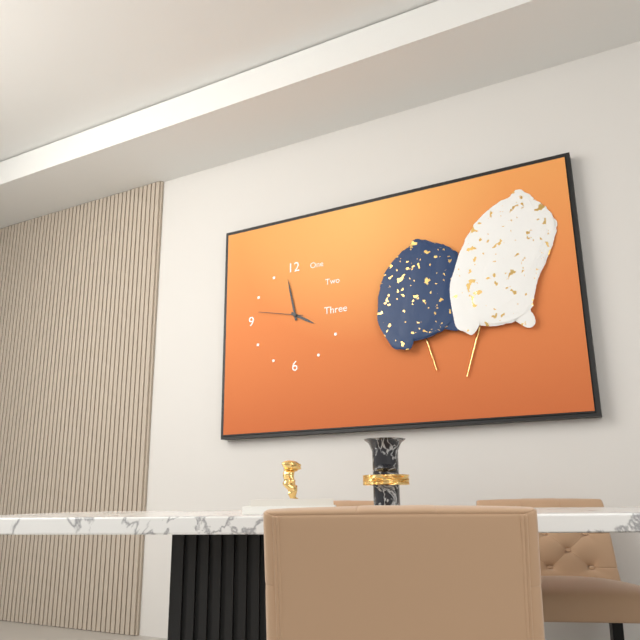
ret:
3:58
